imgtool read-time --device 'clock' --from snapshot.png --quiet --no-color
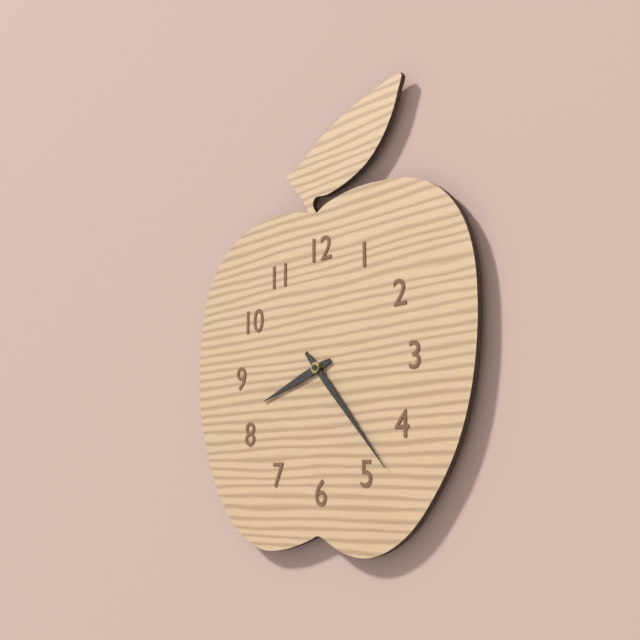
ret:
8:23
